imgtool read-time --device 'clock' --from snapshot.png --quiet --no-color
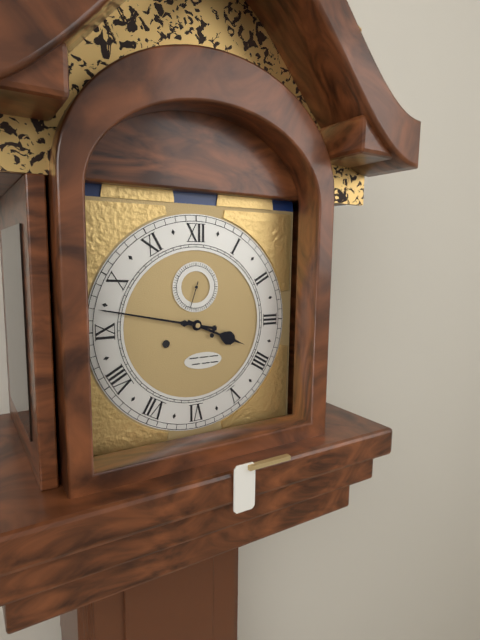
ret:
3:47
